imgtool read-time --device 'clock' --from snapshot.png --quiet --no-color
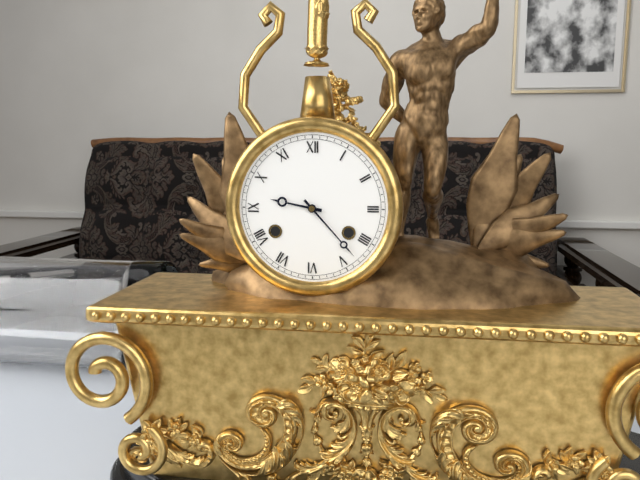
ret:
9:23
